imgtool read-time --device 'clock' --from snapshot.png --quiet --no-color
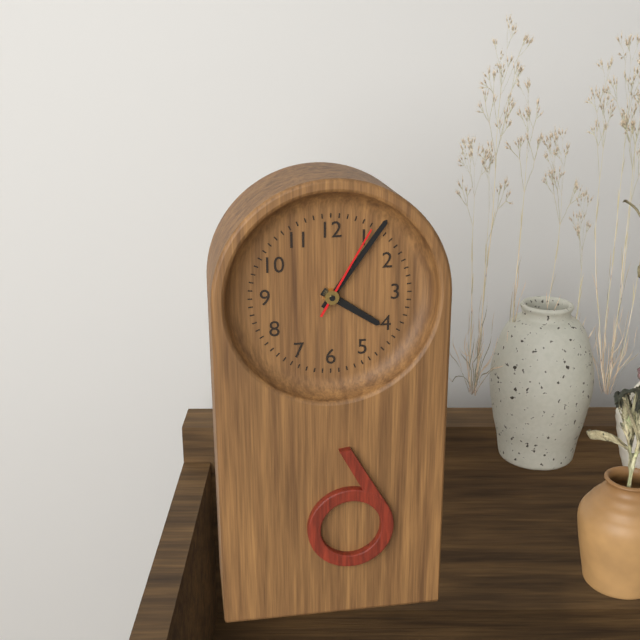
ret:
4:06:05
